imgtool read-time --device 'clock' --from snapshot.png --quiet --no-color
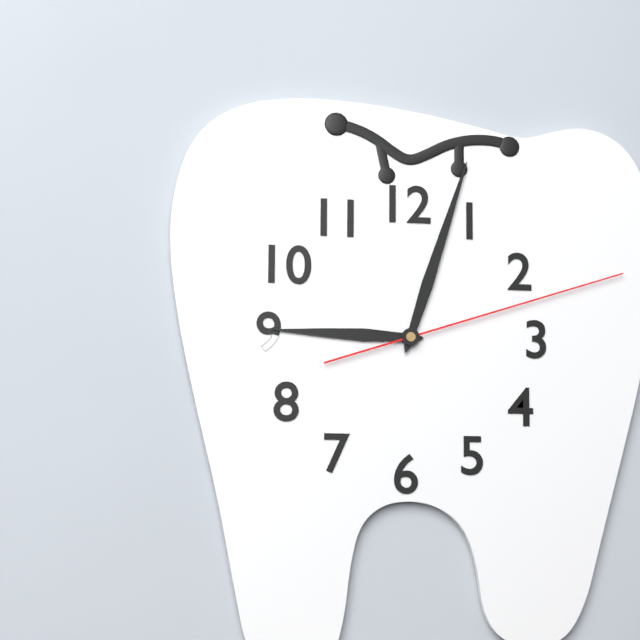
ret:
9:03:12
